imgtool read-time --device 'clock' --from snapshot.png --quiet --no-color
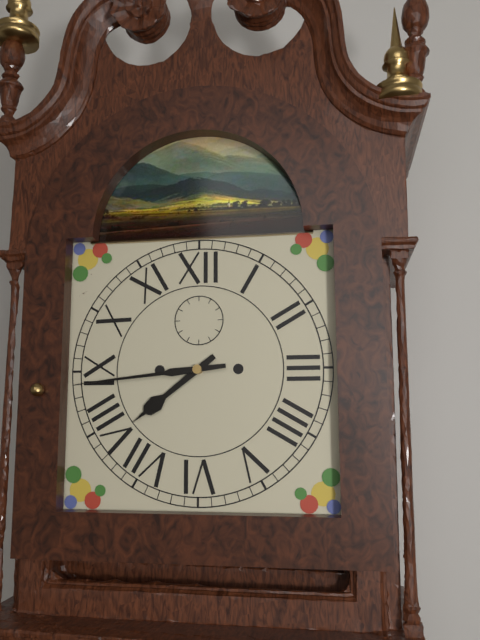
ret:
7:44
